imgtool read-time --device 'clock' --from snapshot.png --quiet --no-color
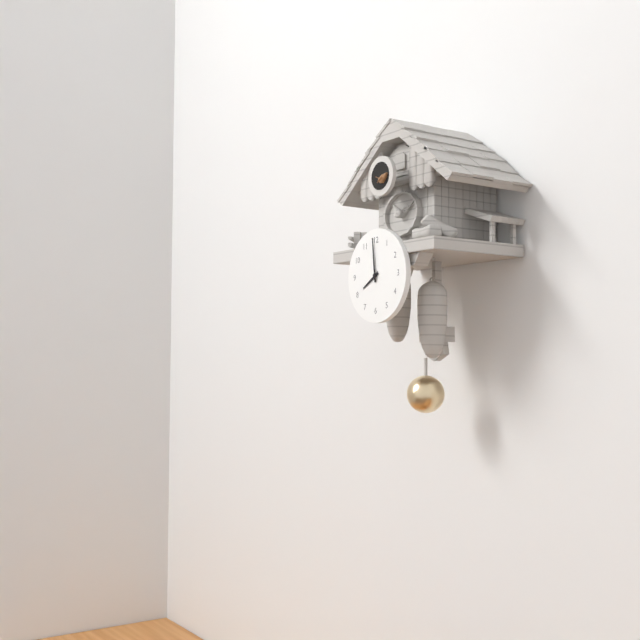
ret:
7:59
